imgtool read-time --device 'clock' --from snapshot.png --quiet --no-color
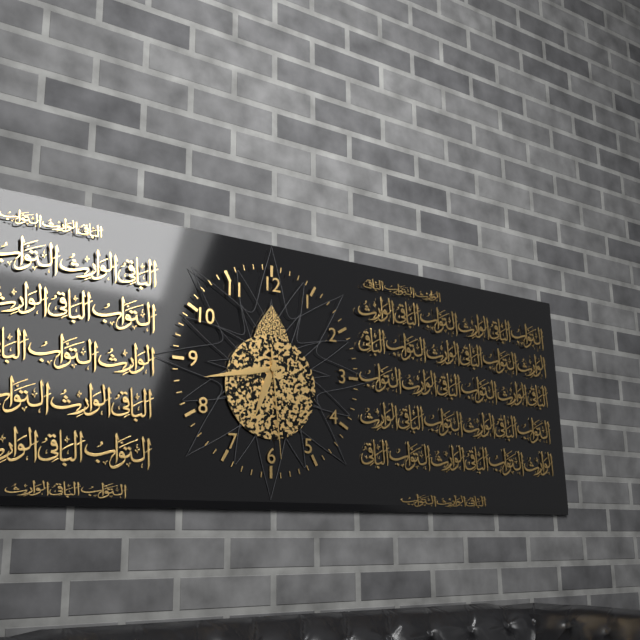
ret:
6:43:29
